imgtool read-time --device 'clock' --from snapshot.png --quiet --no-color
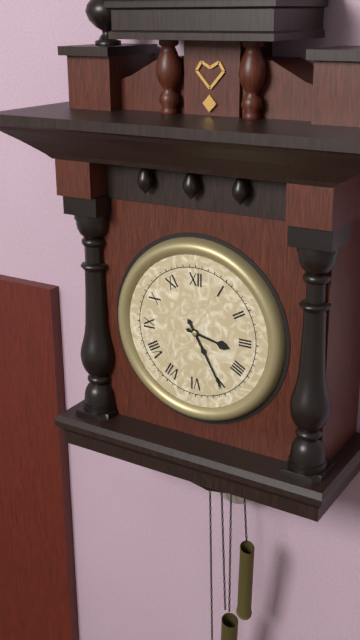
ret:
3:25
